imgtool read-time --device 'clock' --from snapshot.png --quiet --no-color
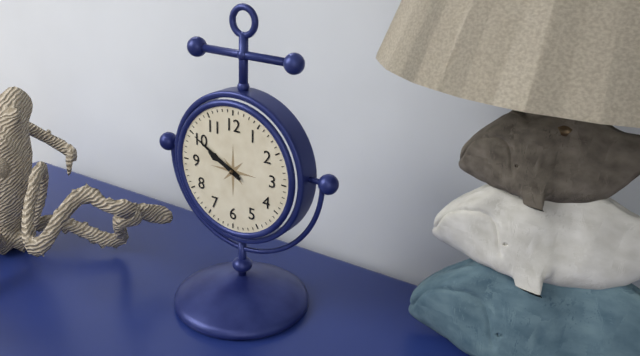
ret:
9:50
